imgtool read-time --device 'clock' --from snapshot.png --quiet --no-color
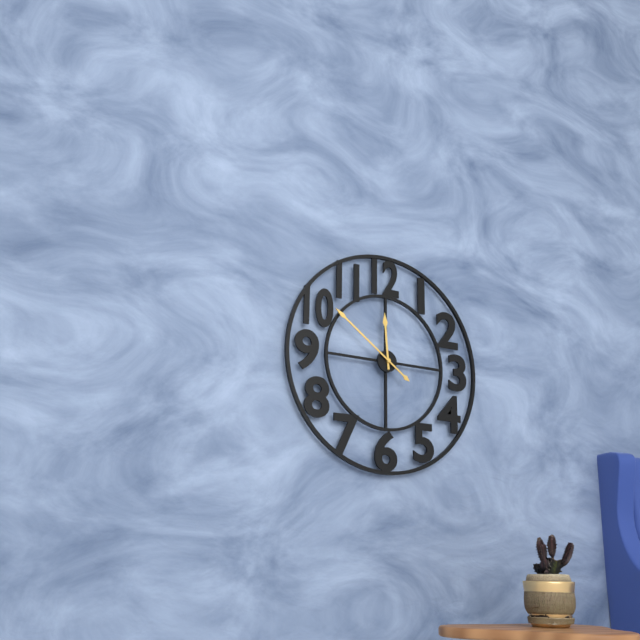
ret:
11:51
